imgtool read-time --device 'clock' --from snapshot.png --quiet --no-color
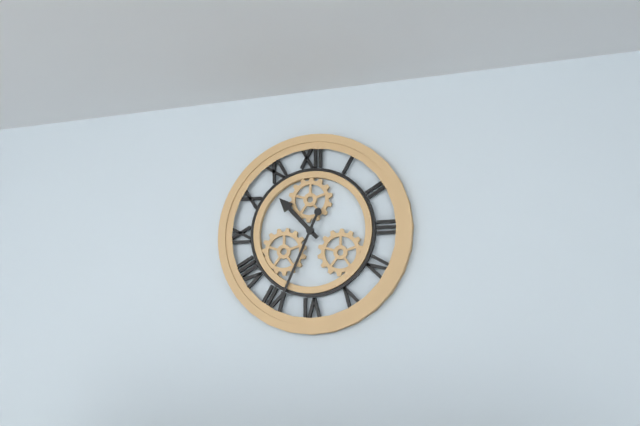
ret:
10:34
